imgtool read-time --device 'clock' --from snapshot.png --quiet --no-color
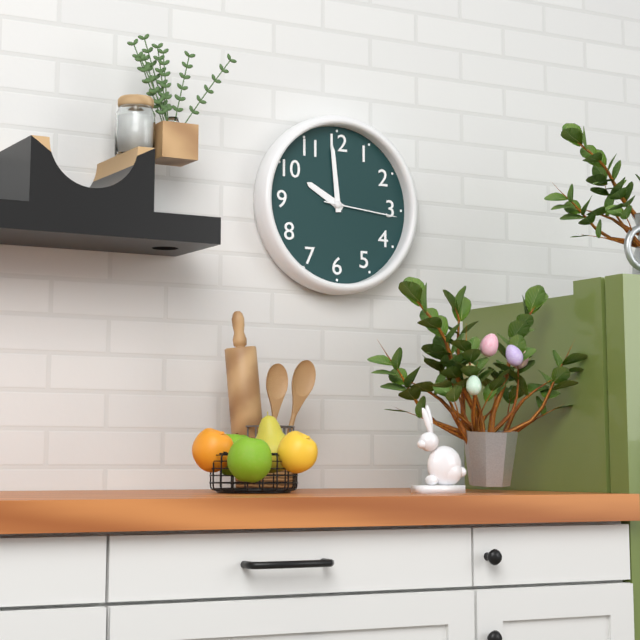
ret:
9:59:16
